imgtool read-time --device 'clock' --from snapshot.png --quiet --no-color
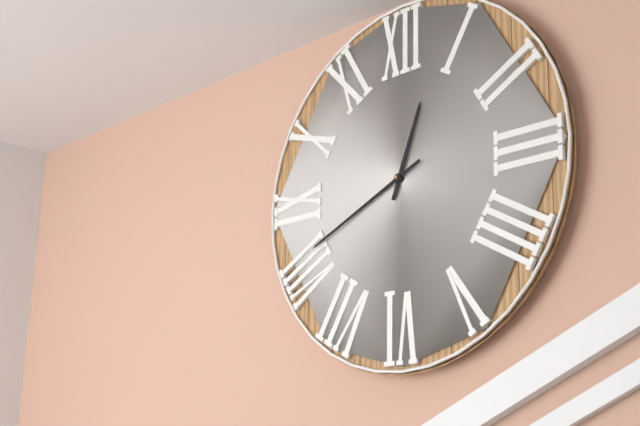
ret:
12:41
